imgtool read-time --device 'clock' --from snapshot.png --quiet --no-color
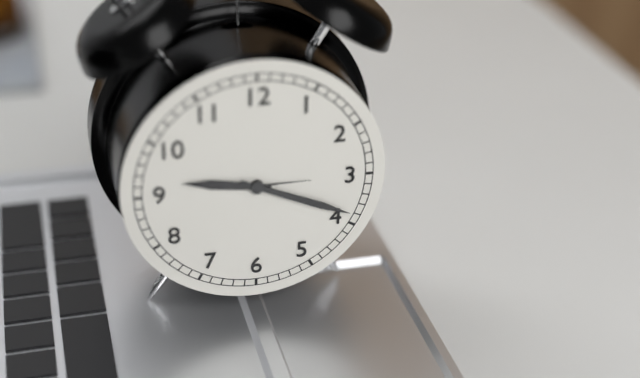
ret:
9:19
